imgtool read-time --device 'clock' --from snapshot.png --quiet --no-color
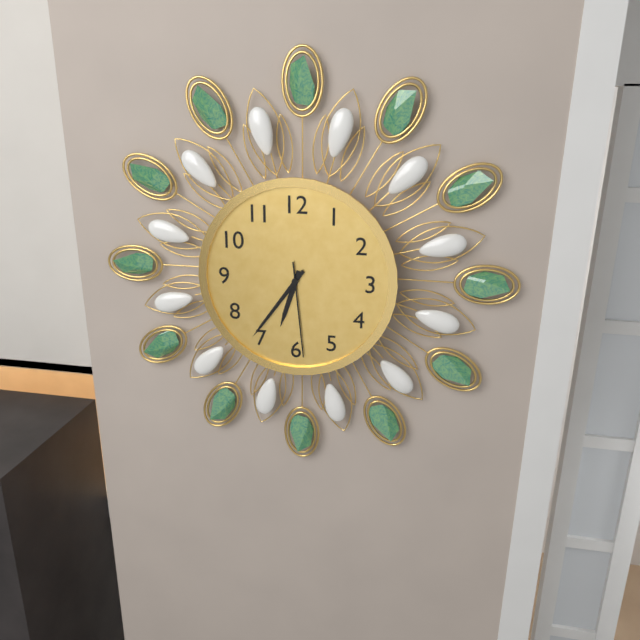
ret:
6:36:29
